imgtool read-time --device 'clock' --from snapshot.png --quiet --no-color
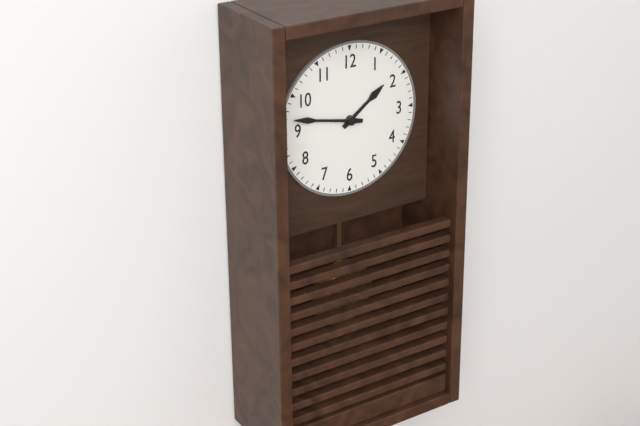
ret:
1:47
